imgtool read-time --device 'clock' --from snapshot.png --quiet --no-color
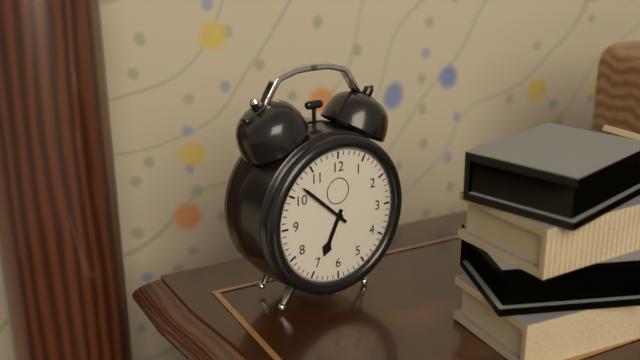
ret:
6:52
